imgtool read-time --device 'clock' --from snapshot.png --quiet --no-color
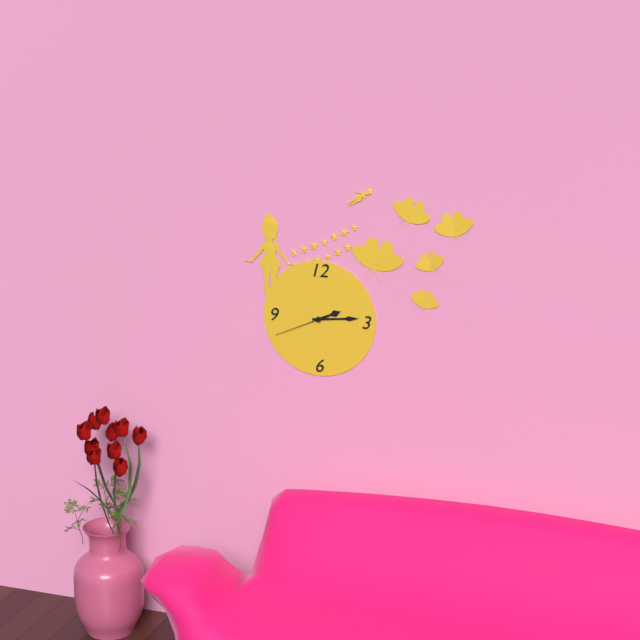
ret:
2:14:41
